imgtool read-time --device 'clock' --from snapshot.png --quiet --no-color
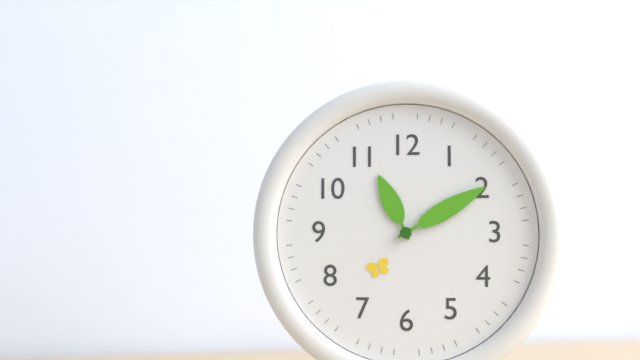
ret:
11:10
